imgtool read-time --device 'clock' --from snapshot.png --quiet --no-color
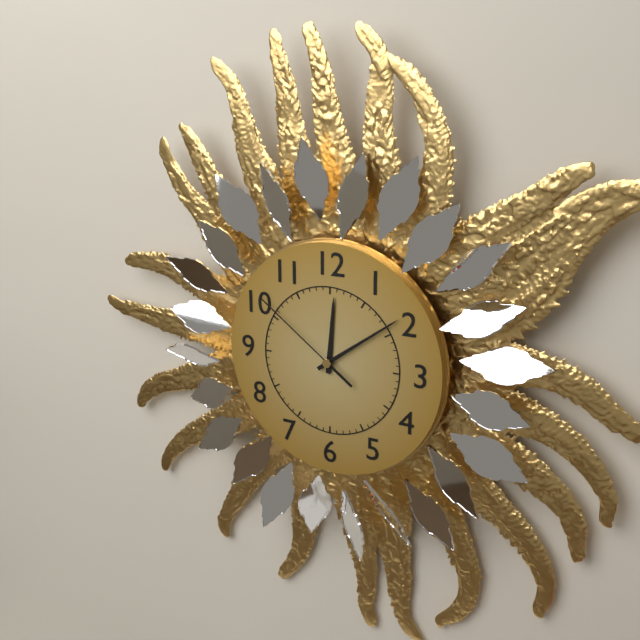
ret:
12:09:51
